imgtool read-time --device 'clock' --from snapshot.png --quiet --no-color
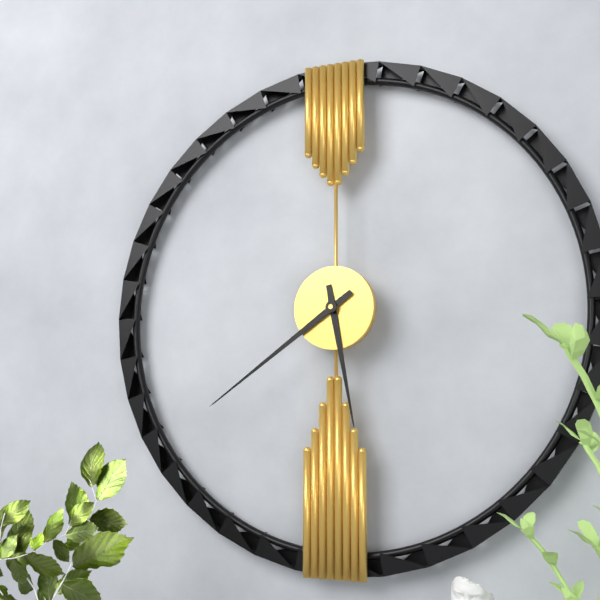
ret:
5:39
